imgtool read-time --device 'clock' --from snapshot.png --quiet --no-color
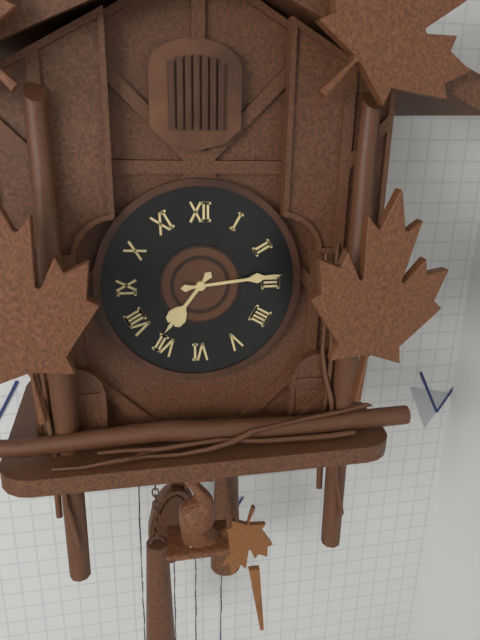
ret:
7:14
